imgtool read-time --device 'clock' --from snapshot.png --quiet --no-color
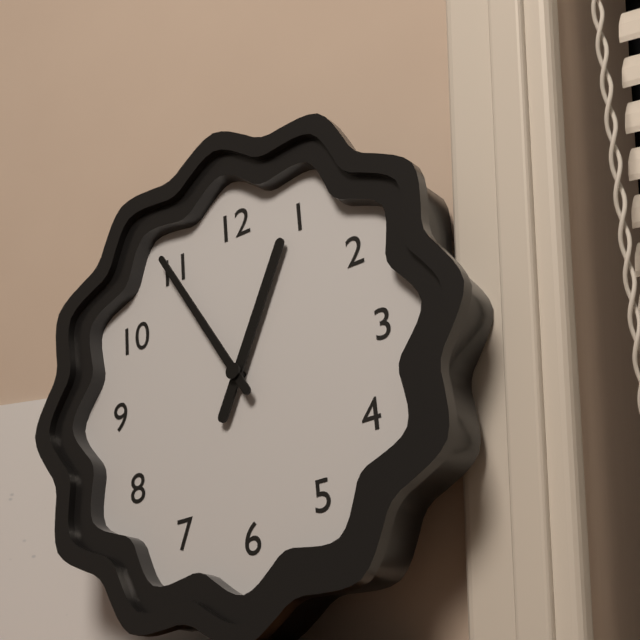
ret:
12:55
